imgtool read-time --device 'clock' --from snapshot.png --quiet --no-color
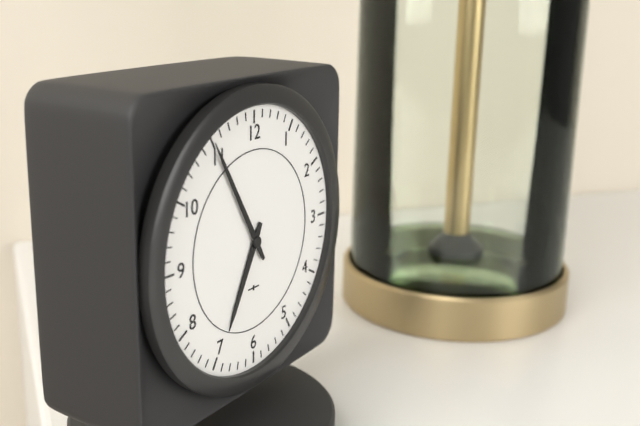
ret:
6:55
